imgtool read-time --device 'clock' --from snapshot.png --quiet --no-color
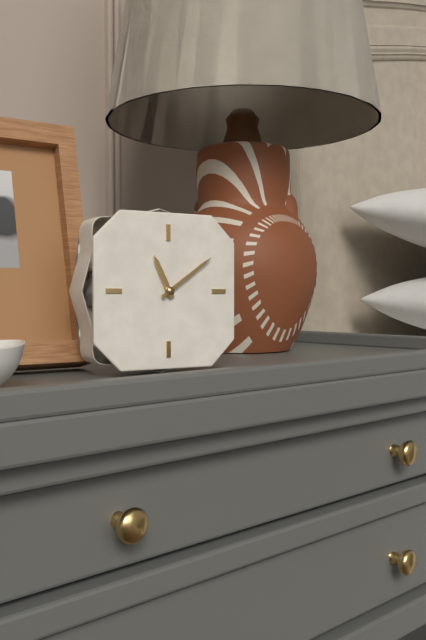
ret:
11:09
